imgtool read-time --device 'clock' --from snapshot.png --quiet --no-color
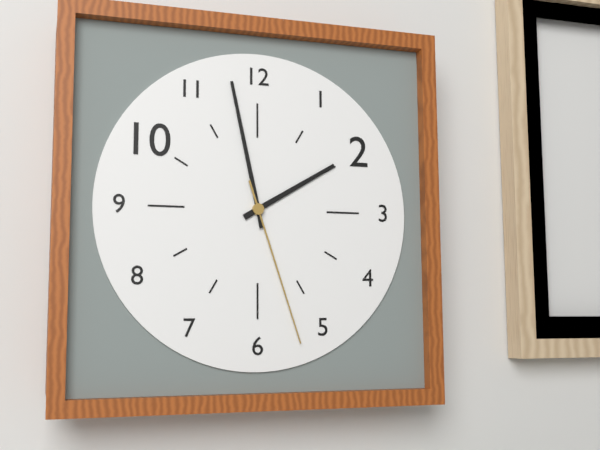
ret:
1:58:27
